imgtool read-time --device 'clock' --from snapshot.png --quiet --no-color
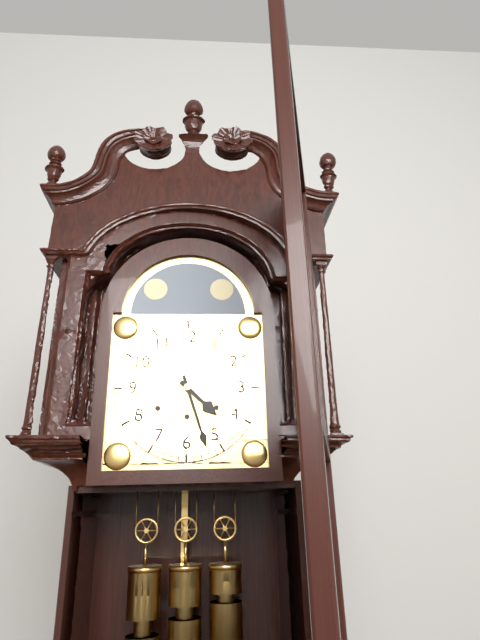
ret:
4:27
